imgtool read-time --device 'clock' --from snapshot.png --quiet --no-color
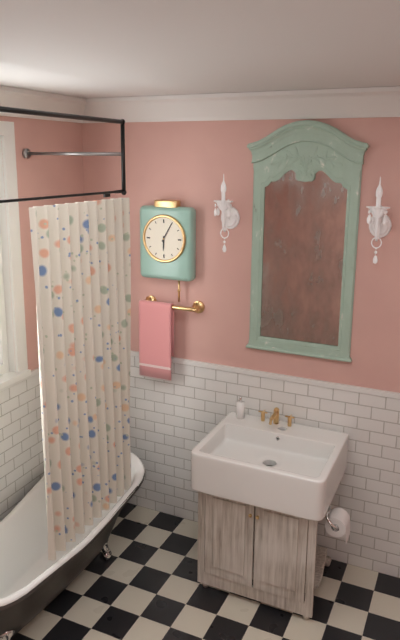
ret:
6:05
